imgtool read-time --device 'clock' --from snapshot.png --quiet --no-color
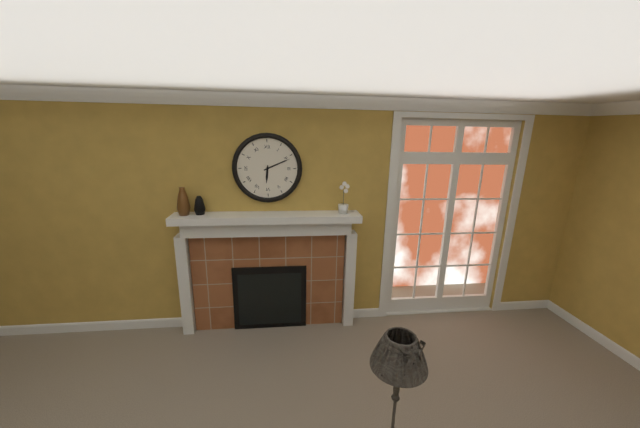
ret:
6:11
